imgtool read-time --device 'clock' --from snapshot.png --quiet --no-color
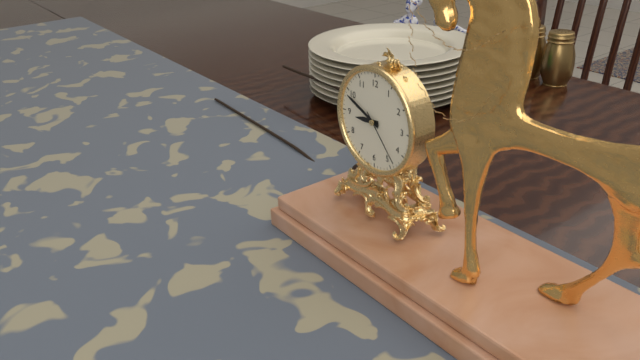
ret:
8:49:23
